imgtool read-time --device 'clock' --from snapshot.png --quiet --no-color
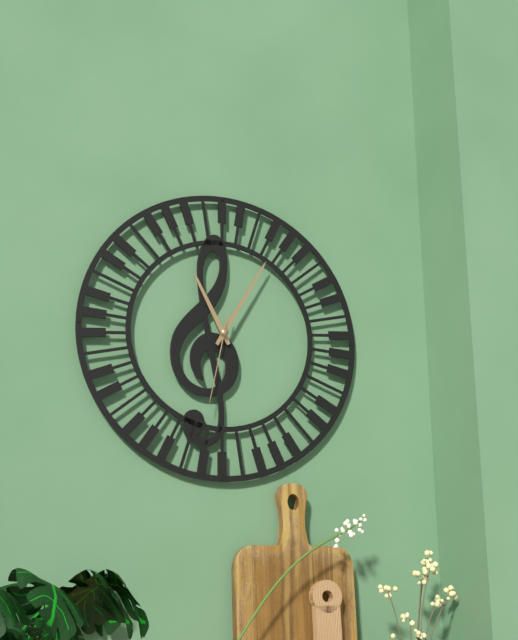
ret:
11:05:32
